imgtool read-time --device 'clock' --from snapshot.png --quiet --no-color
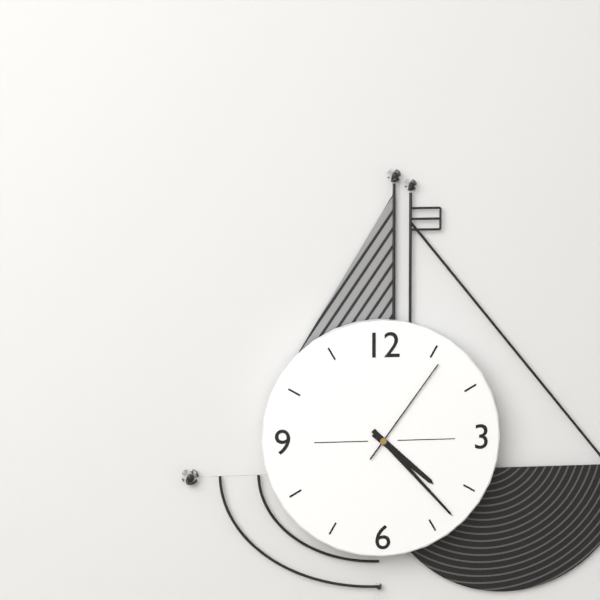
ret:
4:23:06
